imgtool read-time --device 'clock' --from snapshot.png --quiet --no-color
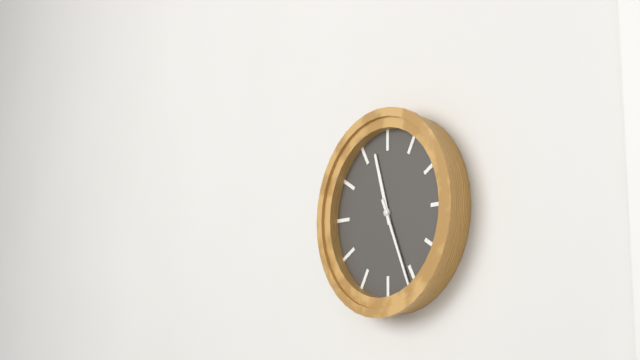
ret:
11:26
